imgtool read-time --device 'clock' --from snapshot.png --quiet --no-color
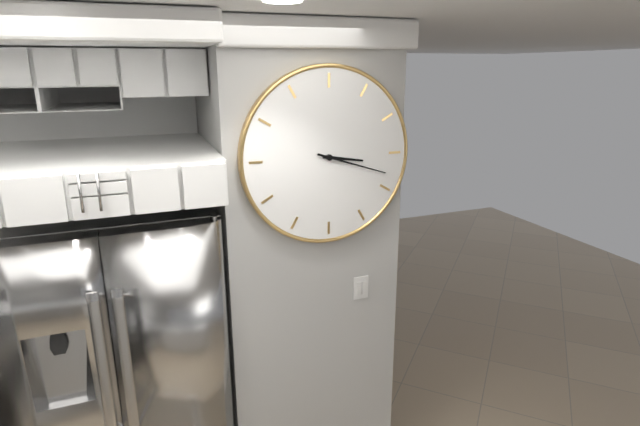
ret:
3:18
